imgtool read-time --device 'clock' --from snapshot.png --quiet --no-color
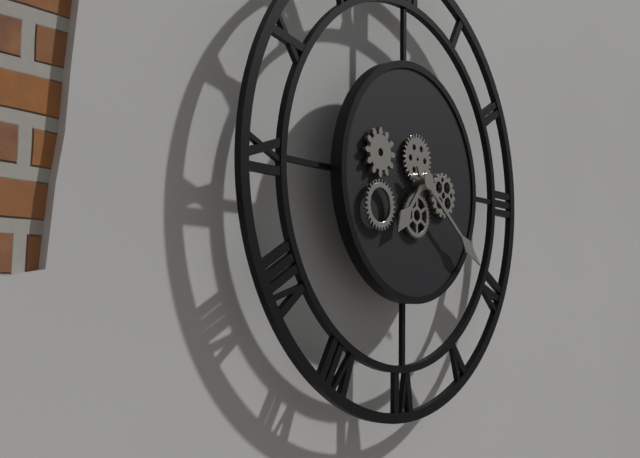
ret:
7:21
